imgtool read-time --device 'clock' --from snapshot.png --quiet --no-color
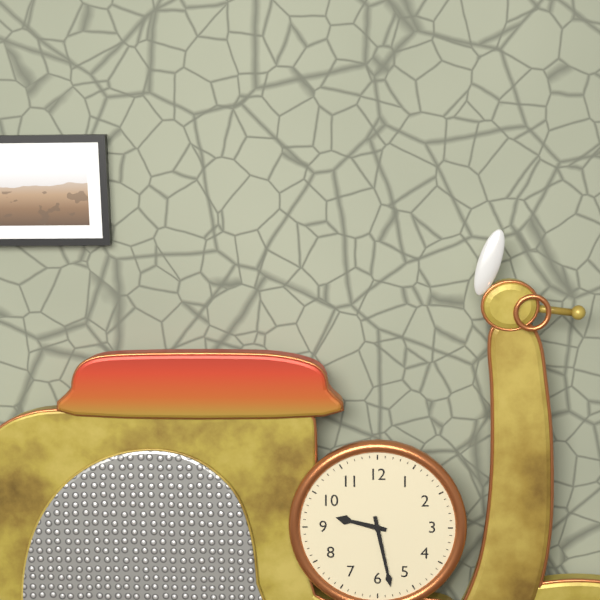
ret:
9:28
